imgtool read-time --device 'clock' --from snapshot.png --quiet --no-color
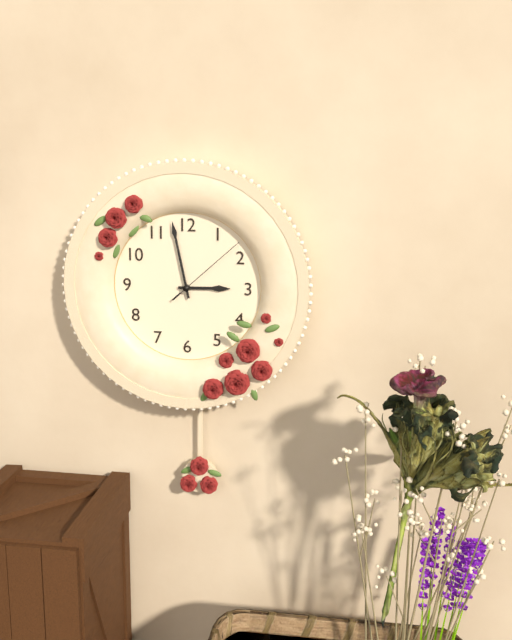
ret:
2:58:08
